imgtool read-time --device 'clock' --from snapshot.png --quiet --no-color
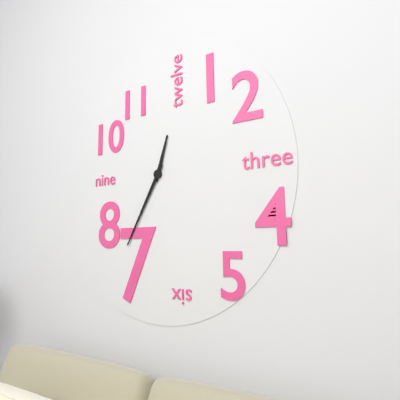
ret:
12:35
